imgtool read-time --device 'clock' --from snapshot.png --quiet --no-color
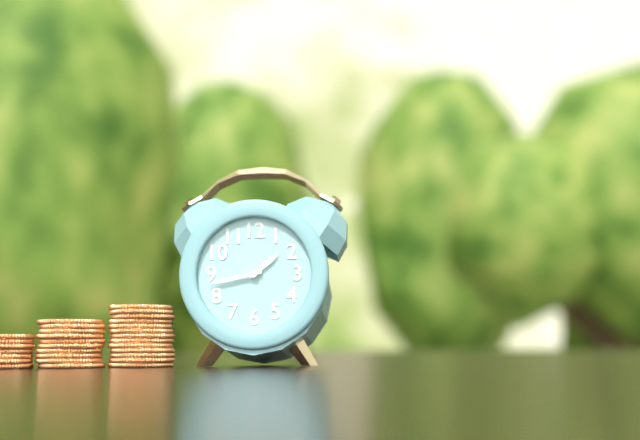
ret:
1:43
